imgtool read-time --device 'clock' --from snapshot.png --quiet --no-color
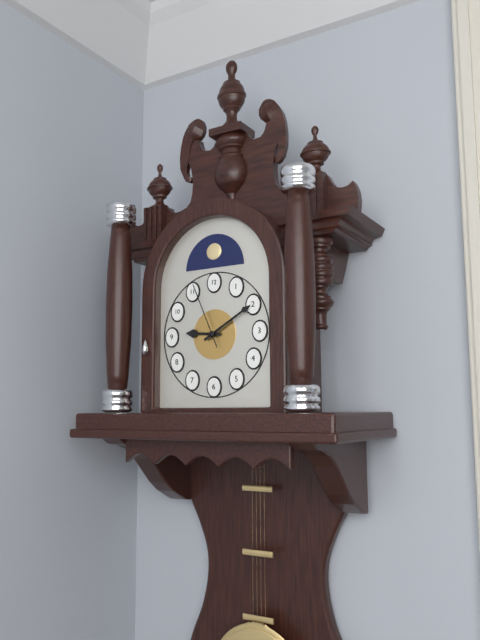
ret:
9:10:56
